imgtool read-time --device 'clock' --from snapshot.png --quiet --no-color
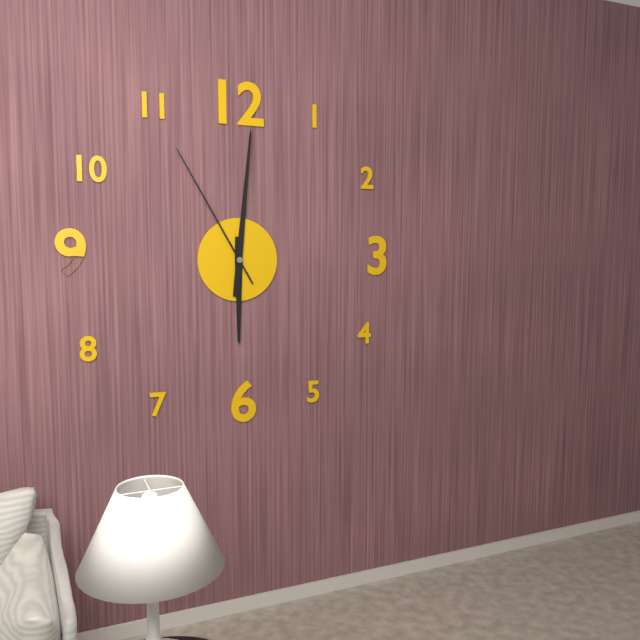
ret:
6:01:55
